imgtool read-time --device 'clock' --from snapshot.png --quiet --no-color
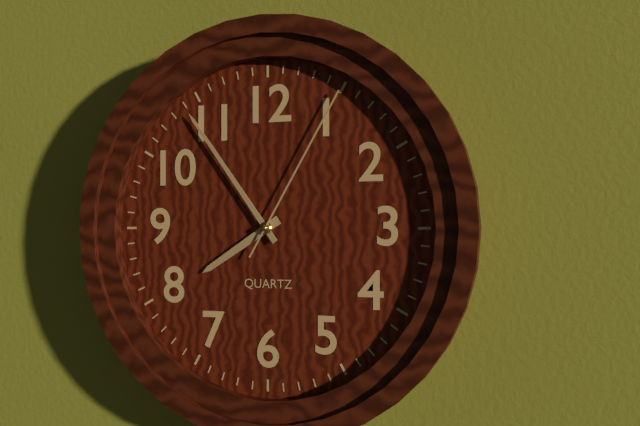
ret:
7:54:05
